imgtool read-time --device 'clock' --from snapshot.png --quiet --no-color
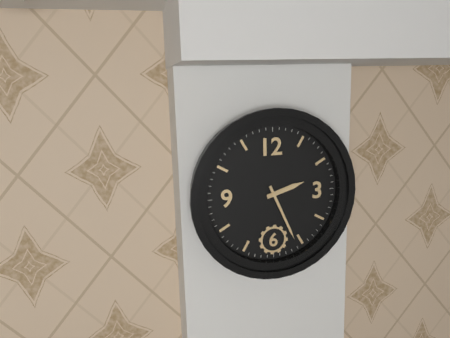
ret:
2:26
